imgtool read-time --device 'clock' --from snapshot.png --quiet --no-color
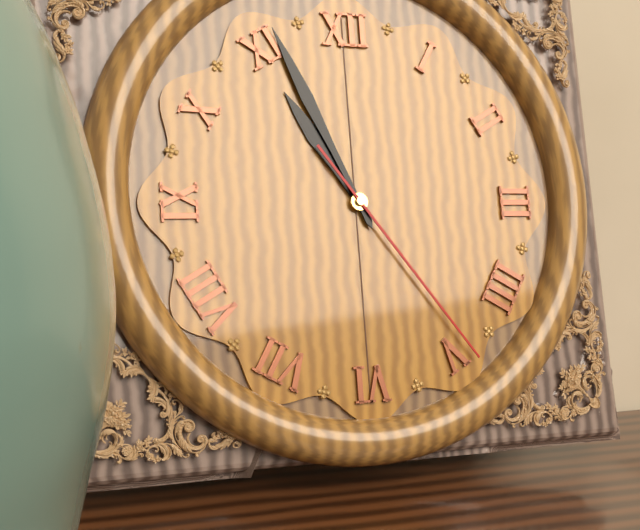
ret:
10:56:24
